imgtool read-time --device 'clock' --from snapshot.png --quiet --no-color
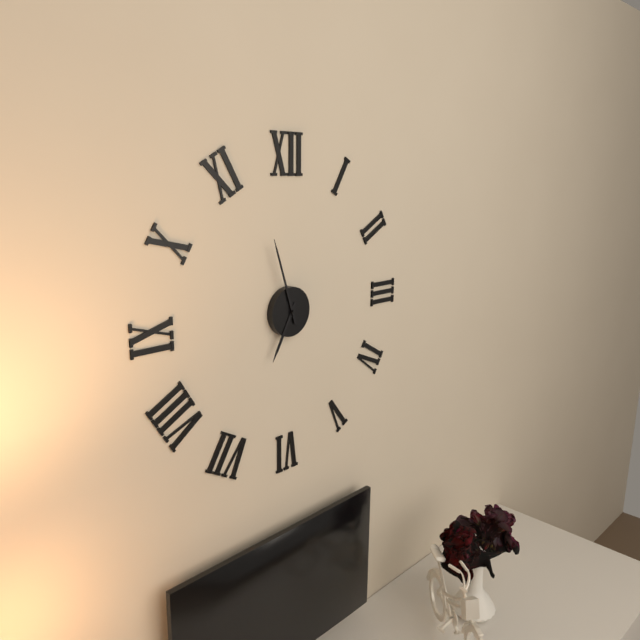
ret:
6:57
